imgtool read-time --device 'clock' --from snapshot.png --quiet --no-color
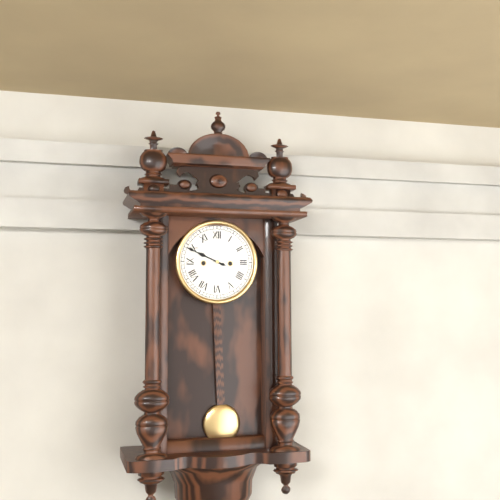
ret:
9:49
